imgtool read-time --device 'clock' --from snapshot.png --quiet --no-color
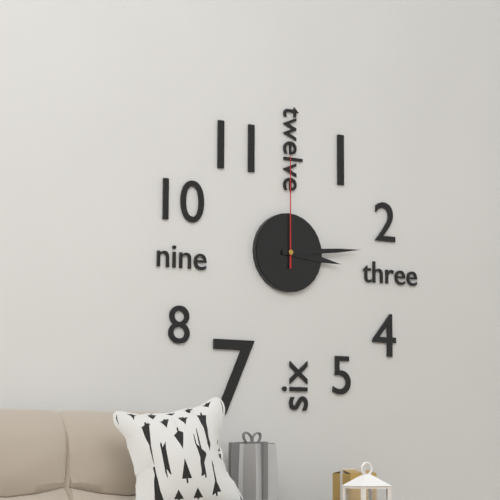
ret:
3:14:00
